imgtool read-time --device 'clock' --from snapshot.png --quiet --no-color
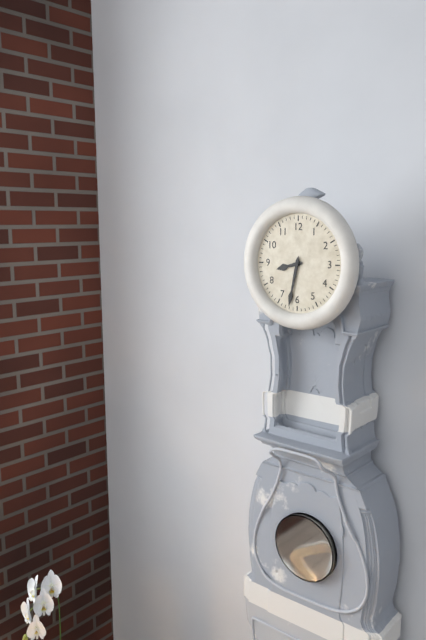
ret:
8:32
